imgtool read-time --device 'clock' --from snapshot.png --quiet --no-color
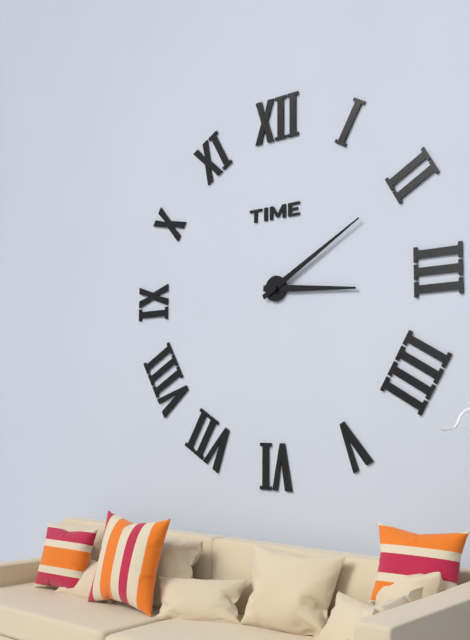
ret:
3:10
